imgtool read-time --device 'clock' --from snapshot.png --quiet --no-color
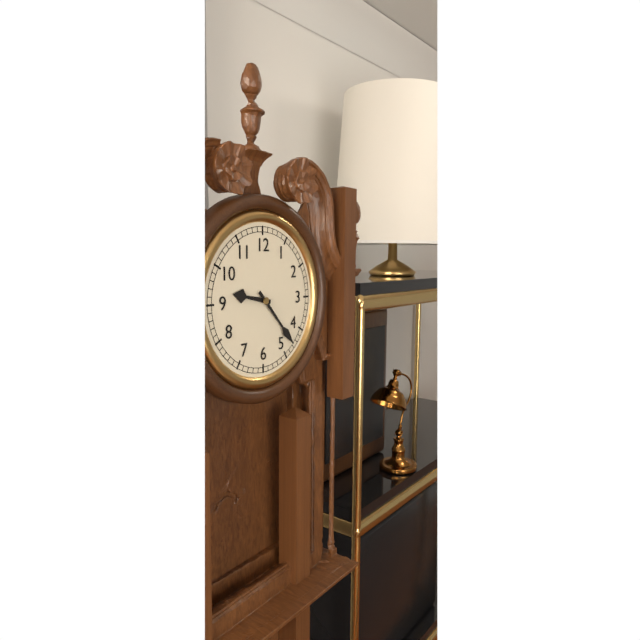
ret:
9:23
